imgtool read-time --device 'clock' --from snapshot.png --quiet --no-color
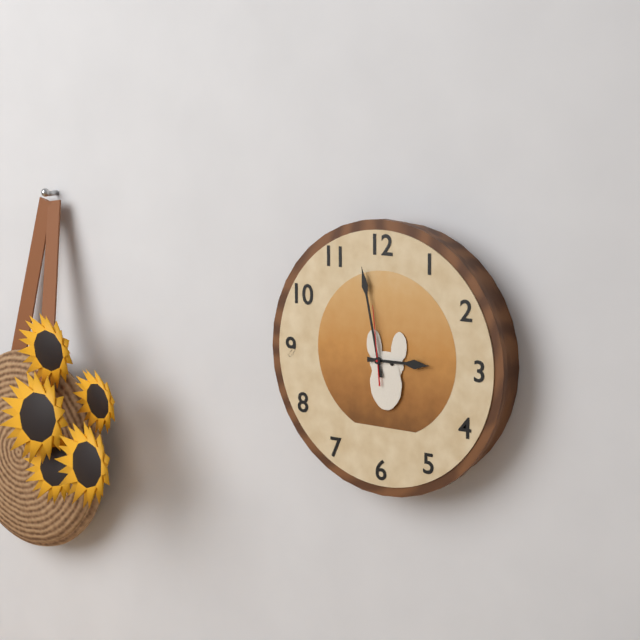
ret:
2:58:59
